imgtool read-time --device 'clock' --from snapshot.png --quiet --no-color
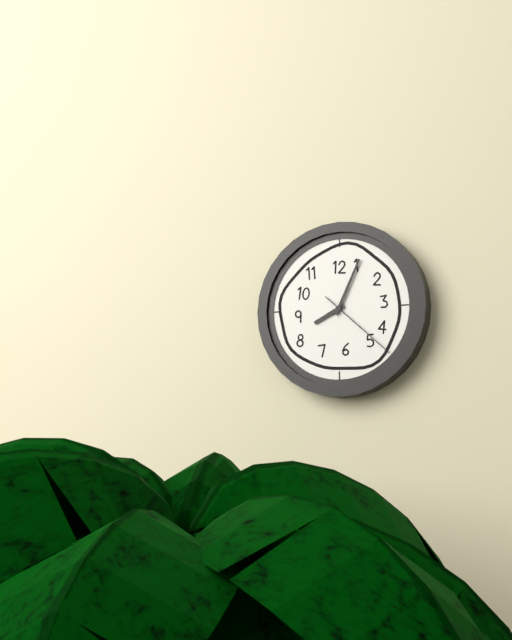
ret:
8:04:22
